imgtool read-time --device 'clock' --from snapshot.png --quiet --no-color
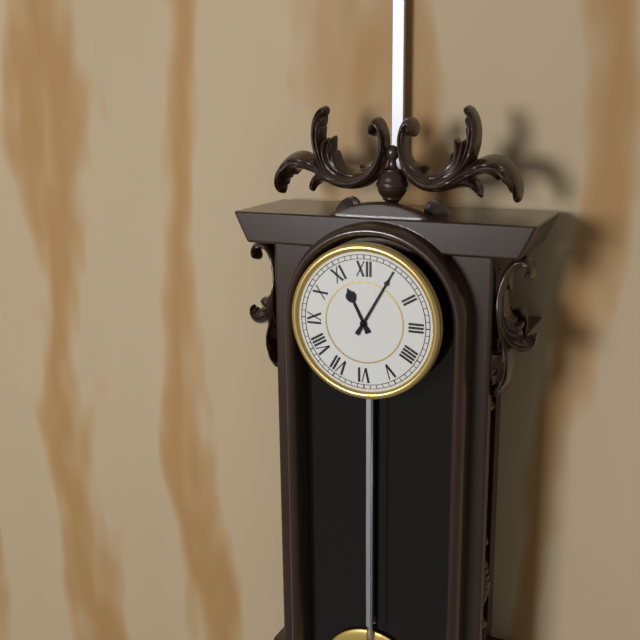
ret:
11:05
